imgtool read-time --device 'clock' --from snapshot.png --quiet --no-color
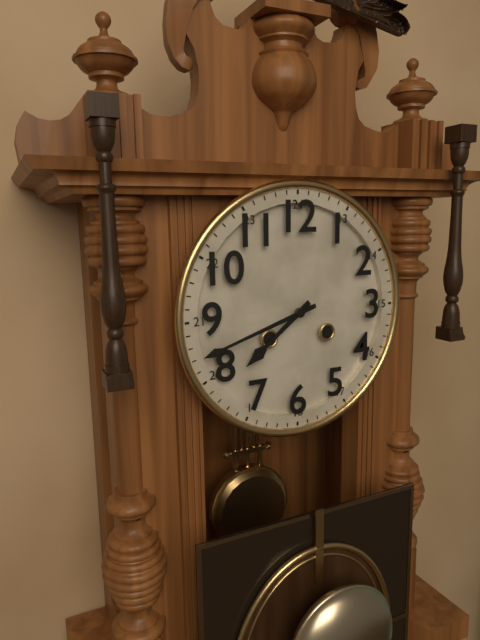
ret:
7:42
